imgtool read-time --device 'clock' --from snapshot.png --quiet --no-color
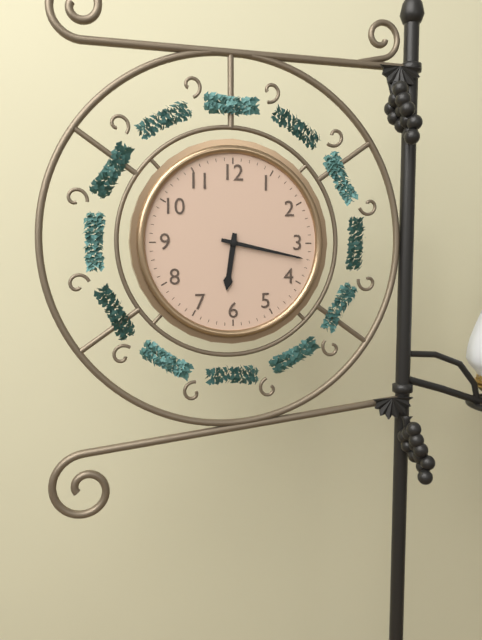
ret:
6:17
